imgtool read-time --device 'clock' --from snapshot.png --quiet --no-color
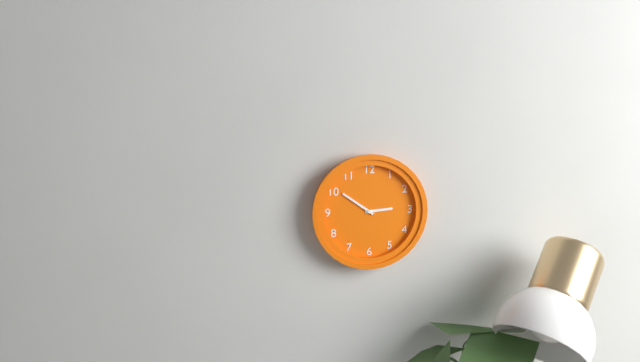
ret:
2:51
